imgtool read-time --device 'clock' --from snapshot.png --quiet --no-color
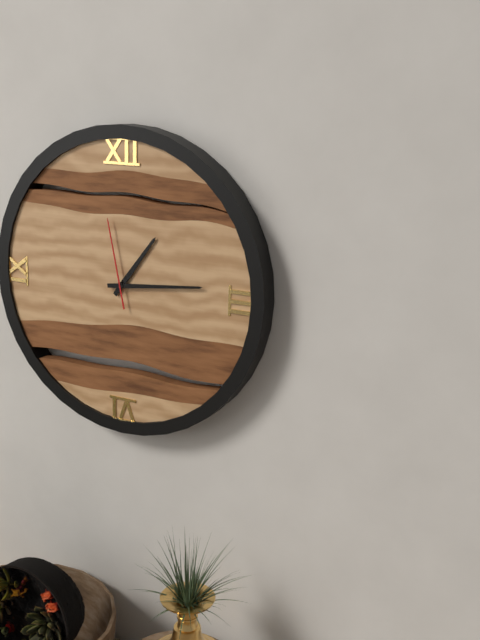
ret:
1:14:58
